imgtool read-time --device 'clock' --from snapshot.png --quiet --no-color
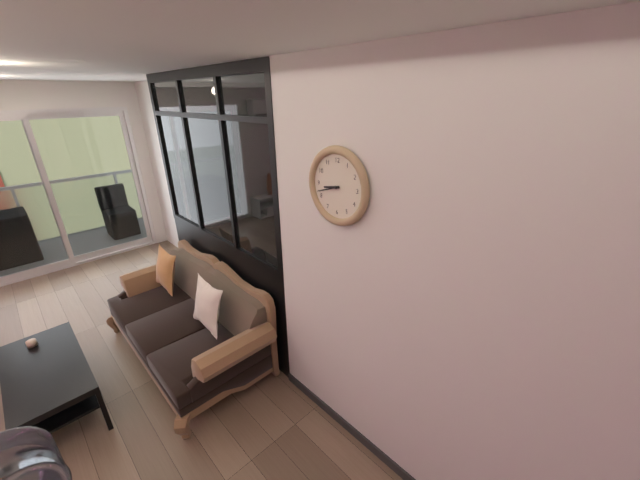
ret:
8:42
